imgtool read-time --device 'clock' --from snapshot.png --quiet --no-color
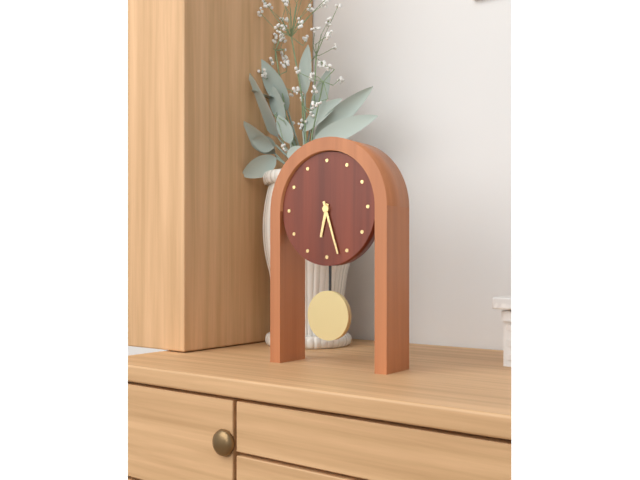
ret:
6:27
